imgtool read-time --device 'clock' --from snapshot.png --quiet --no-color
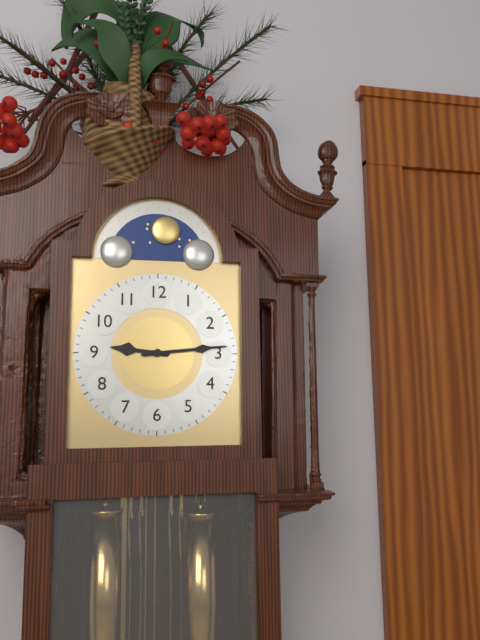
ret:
9:14
